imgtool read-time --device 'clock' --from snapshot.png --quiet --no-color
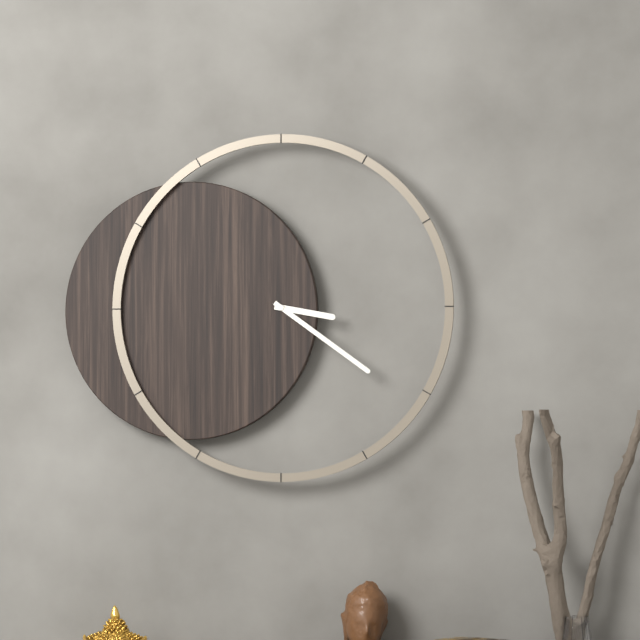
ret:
3:21
